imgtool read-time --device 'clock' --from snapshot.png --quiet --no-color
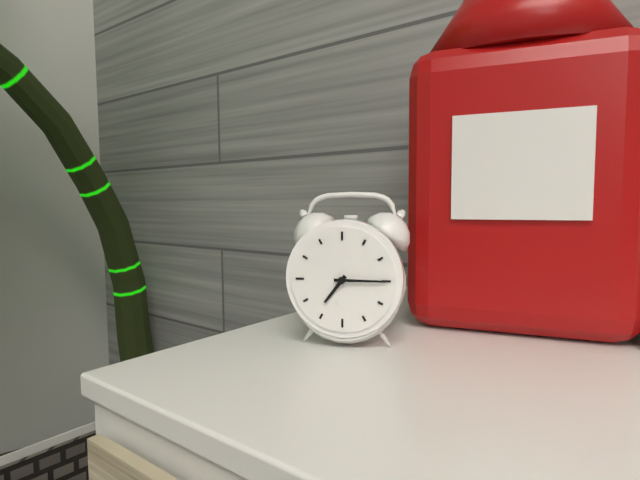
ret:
7:15
